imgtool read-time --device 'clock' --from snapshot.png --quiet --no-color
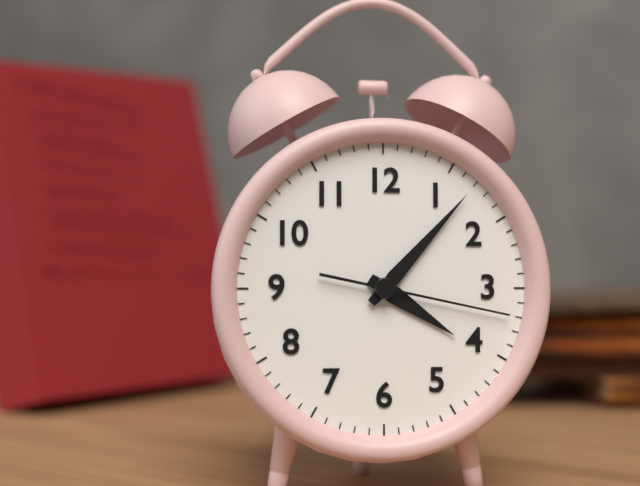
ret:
4:07:17
